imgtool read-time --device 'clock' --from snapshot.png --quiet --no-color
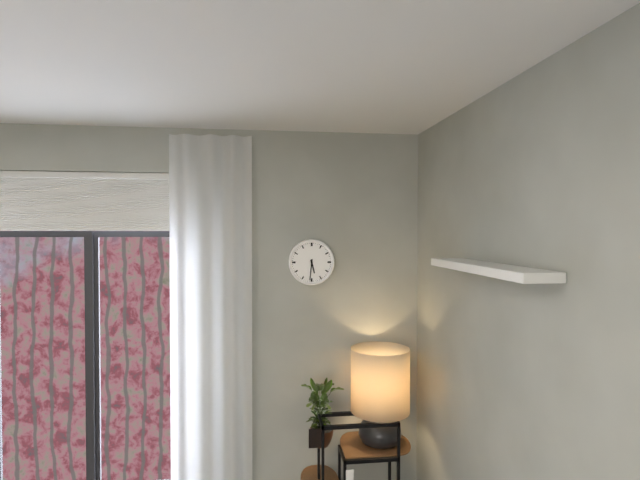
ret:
5:31
